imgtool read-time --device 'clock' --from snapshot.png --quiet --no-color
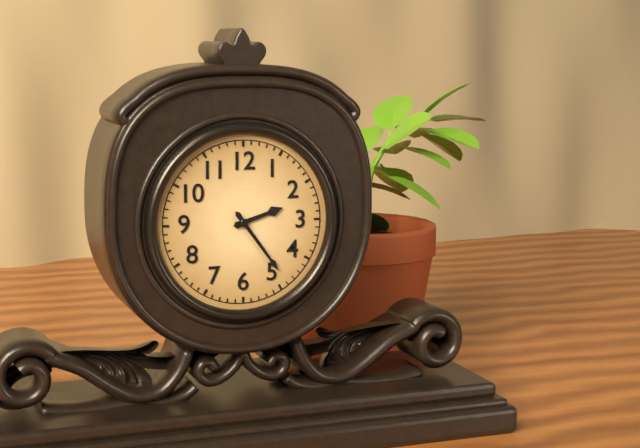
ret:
2:24
